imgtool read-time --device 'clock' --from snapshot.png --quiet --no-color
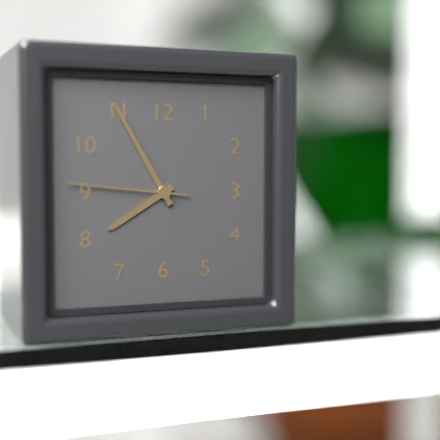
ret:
7:55:46
